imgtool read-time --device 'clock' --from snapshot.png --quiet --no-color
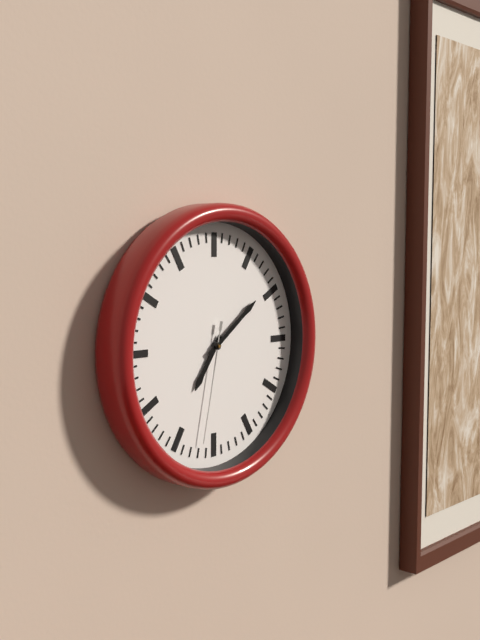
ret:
7:09:32
